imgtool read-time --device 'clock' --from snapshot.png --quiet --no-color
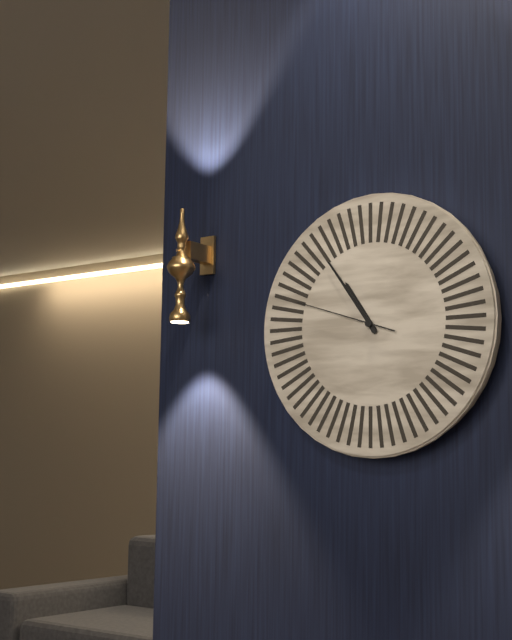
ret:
10:54:48
